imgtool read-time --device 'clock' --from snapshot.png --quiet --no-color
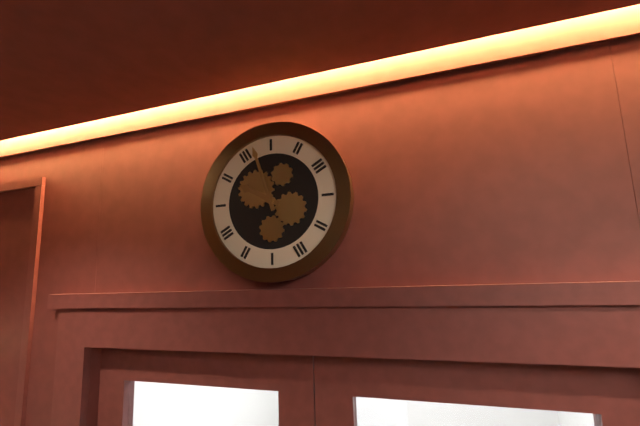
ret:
9:57
